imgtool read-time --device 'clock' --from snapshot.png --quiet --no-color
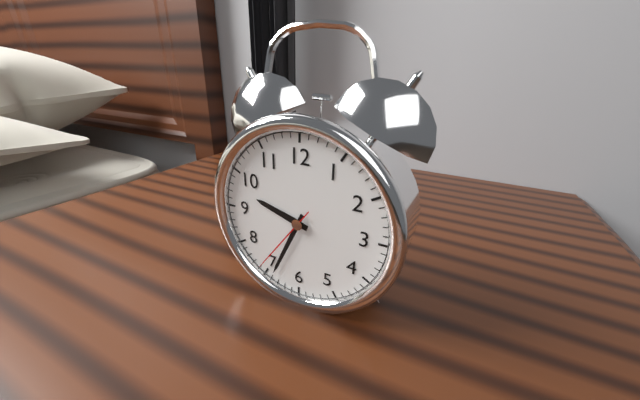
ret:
9:34:36
